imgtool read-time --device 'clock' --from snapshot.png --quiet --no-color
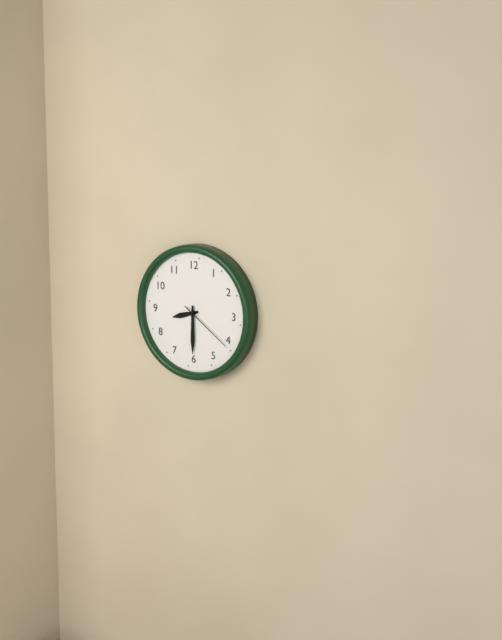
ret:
8:30:21
